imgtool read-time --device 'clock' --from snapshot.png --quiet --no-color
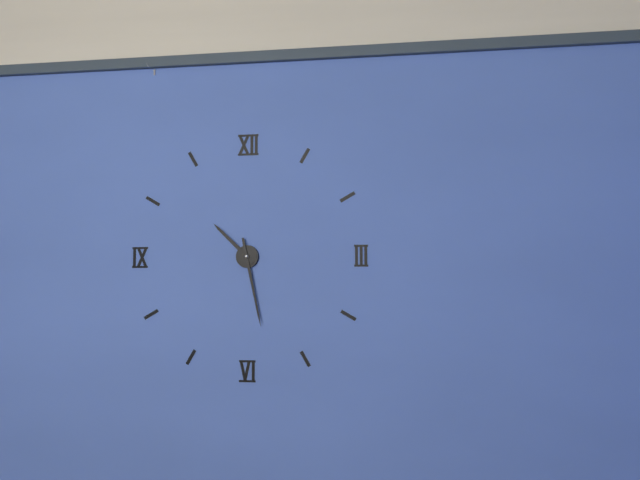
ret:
10:28
